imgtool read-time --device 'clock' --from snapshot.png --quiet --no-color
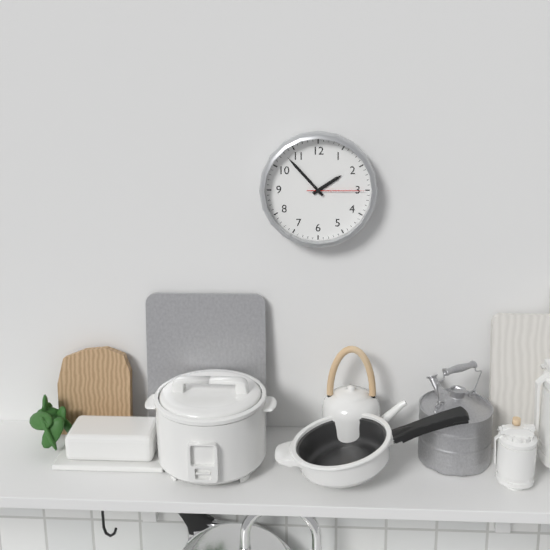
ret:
1:53:15
